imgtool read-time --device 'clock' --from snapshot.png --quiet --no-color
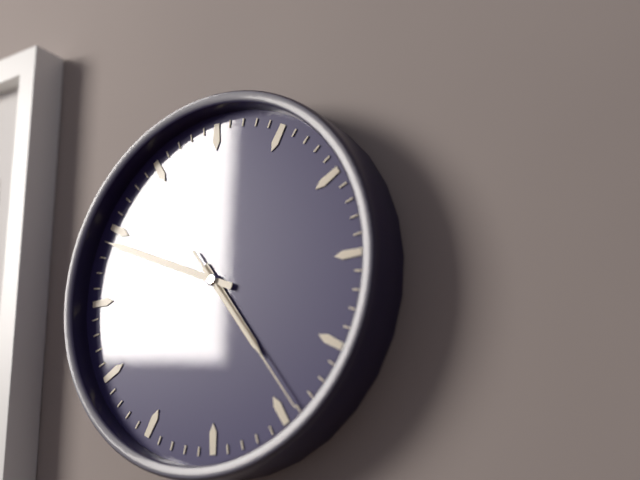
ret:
4:49:24
